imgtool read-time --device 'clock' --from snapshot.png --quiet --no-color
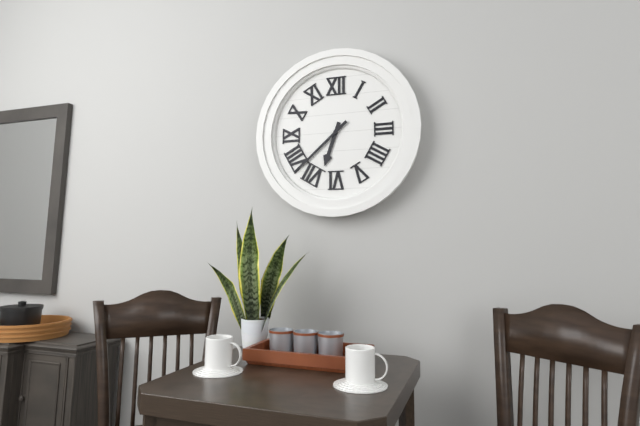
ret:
6:38
